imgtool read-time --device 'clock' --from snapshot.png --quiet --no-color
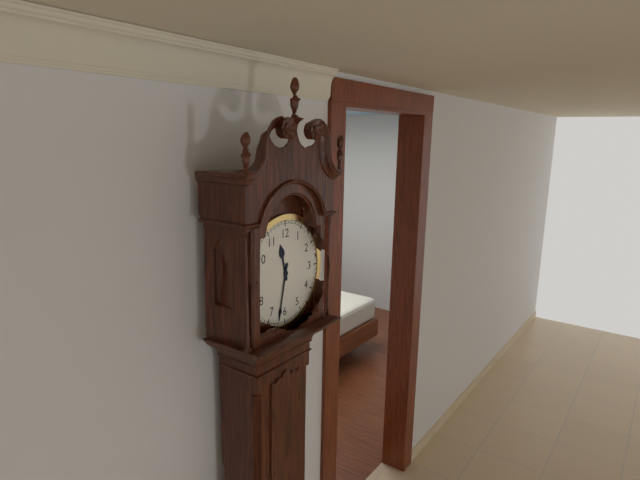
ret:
11:32
